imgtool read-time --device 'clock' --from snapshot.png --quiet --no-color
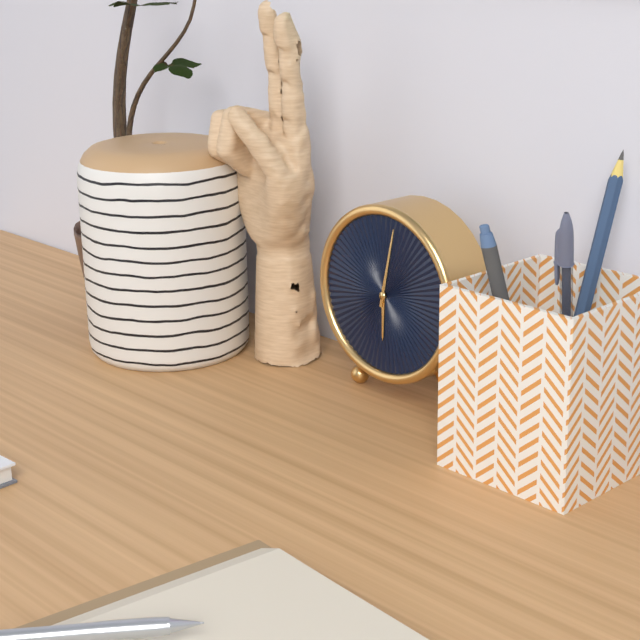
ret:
6:02
